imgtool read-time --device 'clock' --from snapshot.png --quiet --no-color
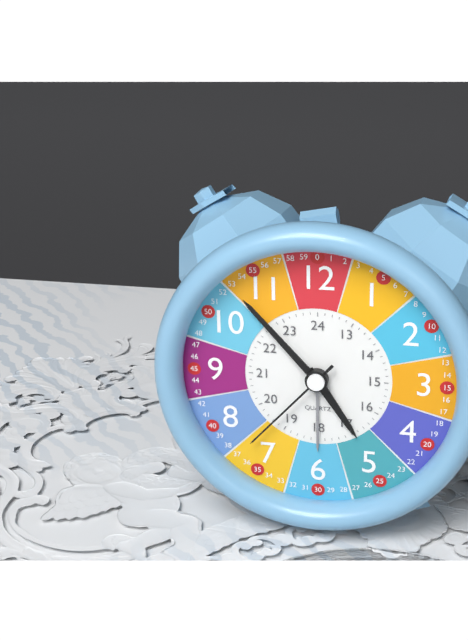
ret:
4:53:37
